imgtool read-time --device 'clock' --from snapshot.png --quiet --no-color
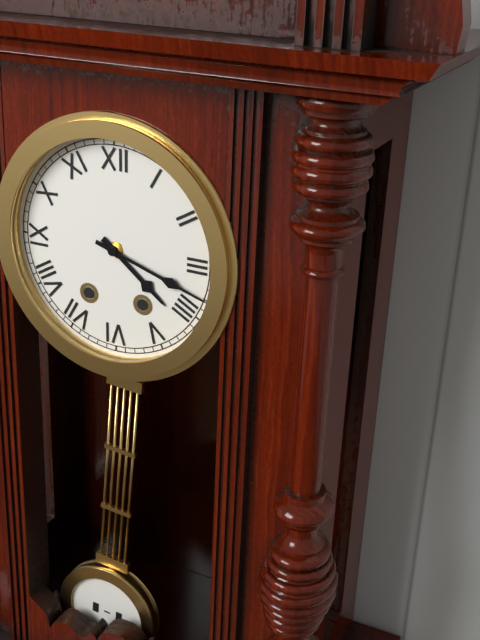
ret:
4:18
